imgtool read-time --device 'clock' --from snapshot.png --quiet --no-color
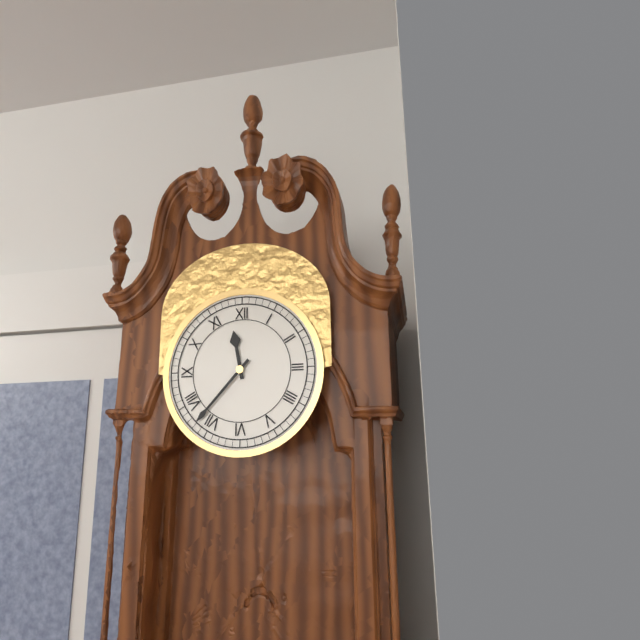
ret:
11:37
